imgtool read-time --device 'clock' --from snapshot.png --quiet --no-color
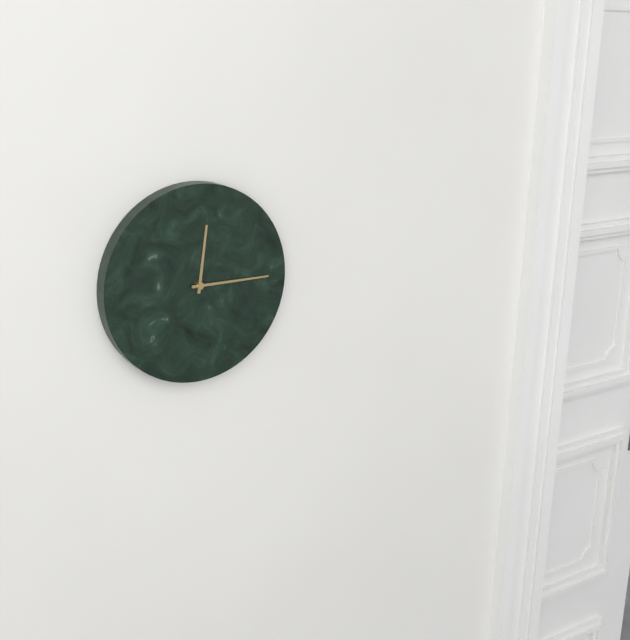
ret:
12:15
